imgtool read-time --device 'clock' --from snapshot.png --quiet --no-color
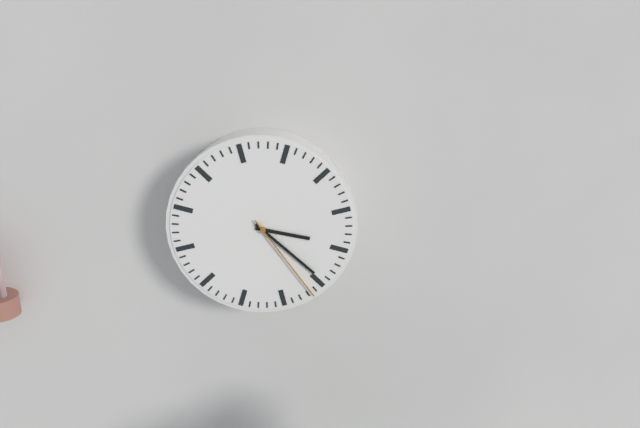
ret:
3:22:24
